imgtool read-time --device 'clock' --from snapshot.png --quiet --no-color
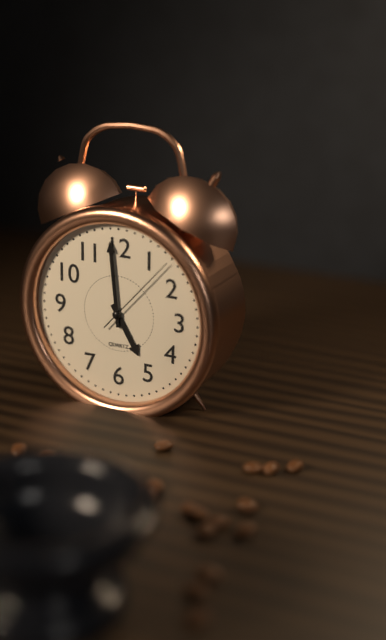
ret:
4:59:07
